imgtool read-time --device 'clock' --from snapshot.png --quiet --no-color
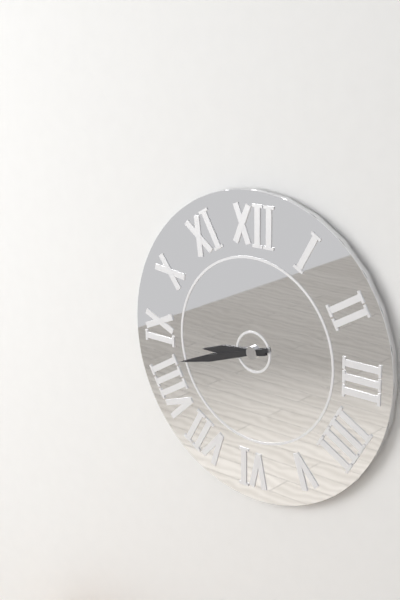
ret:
8:42
